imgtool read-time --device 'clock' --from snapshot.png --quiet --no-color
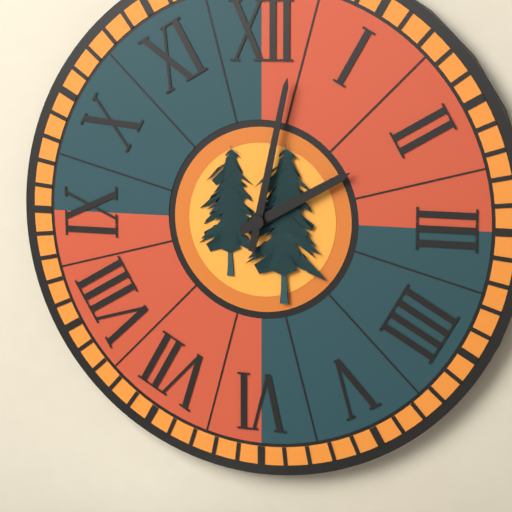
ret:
2:02
